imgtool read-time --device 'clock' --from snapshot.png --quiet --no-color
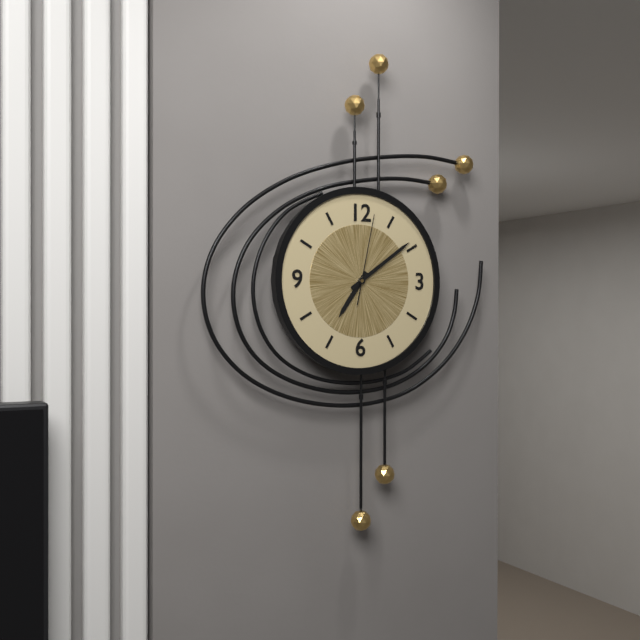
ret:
7:09:02
